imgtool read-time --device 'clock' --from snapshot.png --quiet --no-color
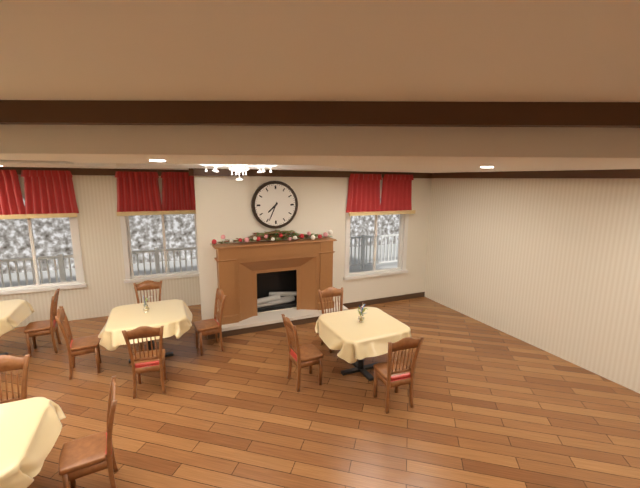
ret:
7:34
